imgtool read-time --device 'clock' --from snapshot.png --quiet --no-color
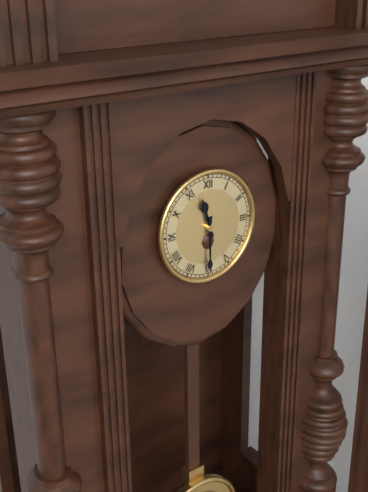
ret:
11:30
